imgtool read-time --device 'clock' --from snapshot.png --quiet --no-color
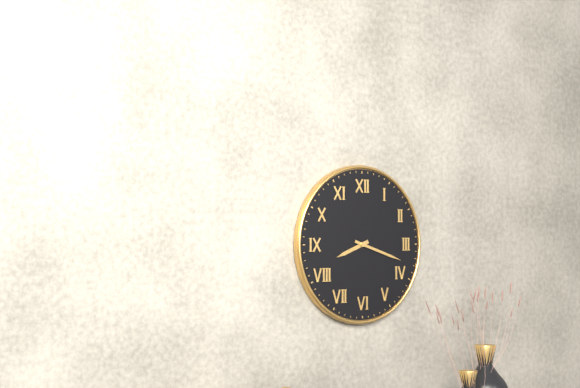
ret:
8:18
